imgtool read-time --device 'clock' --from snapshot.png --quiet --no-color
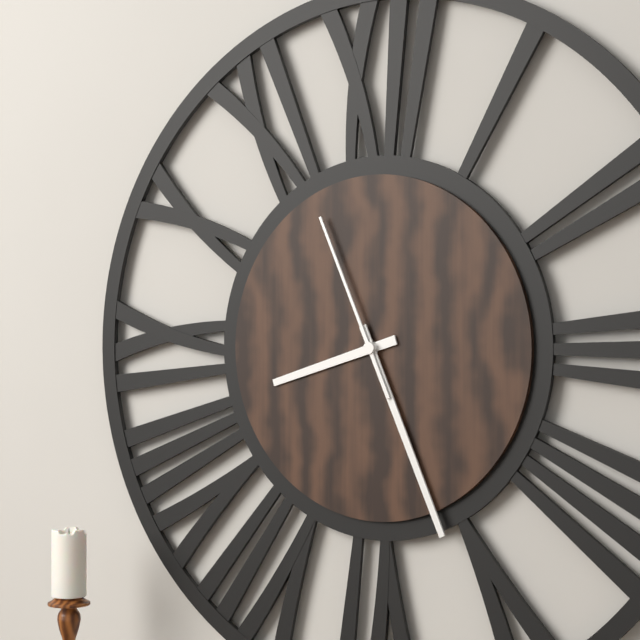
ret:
8:26:56
